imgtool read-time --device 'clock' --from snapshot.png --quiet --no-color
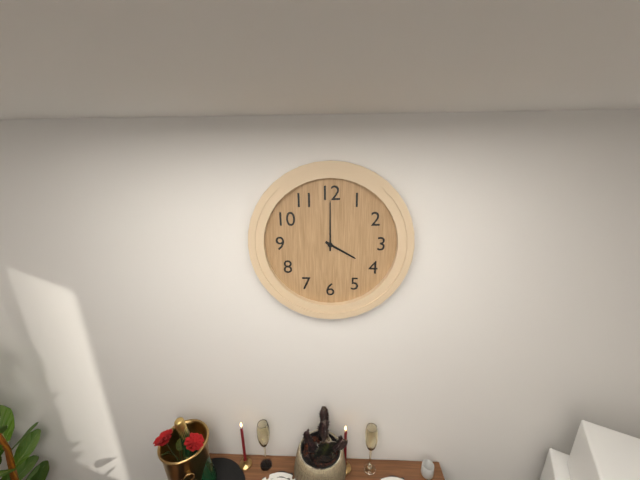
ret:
4:00
